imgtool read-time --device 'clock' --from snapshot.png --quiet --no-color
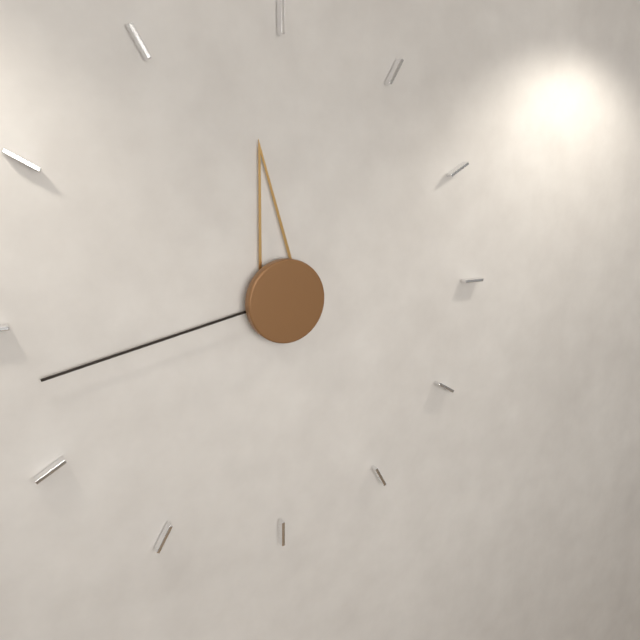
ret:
11:43
